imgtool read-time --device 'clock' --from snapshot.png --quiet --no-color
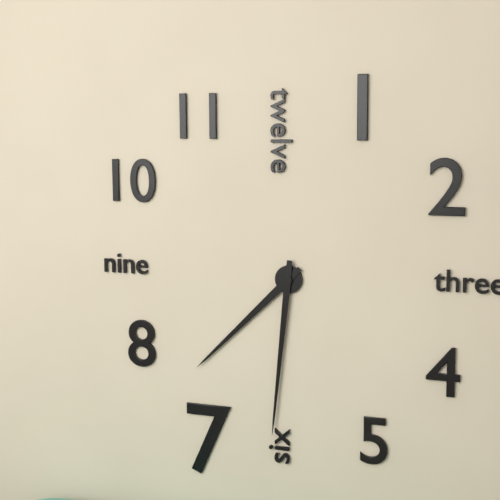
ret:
7:31
